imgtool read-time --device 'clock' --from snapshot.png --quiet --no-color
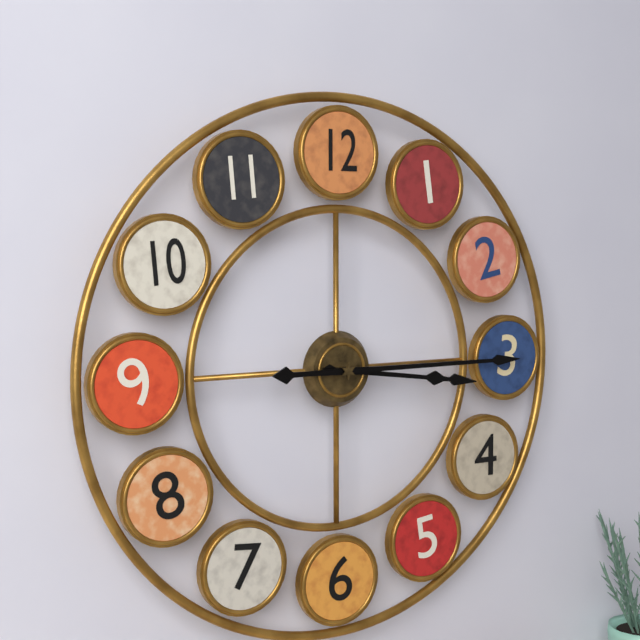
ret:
3:15
